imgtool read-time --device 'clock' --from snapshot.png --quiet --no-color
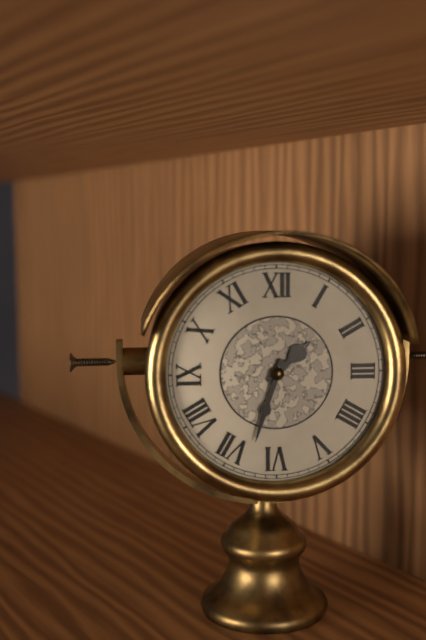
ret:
1:33
